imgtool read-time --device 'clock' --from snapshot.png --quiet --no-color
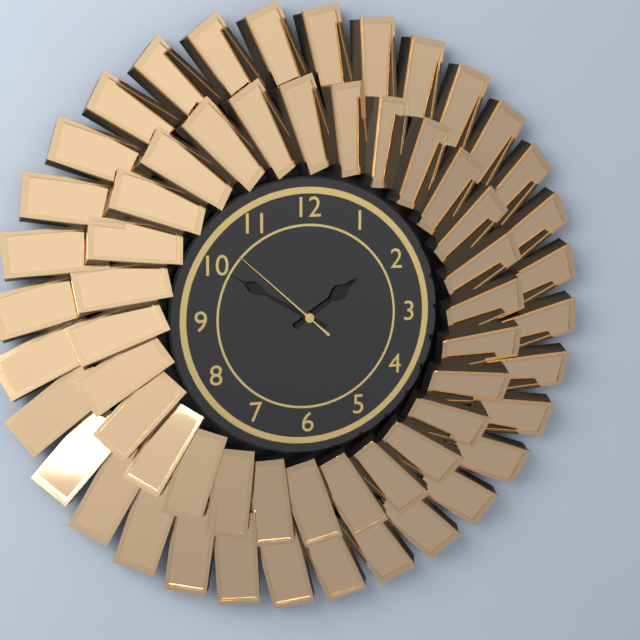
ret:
1:50:52
